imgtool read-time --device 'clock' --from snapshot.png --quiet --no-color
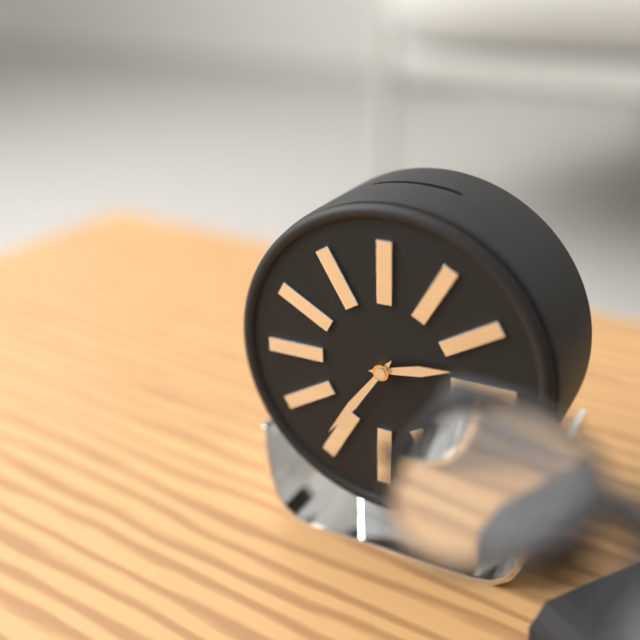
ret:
2:36
